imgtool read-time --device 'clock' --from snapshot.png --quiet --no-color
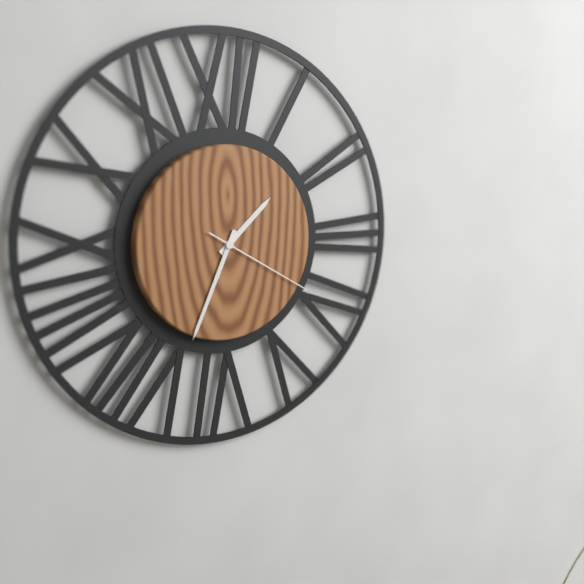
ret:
1:34:20
